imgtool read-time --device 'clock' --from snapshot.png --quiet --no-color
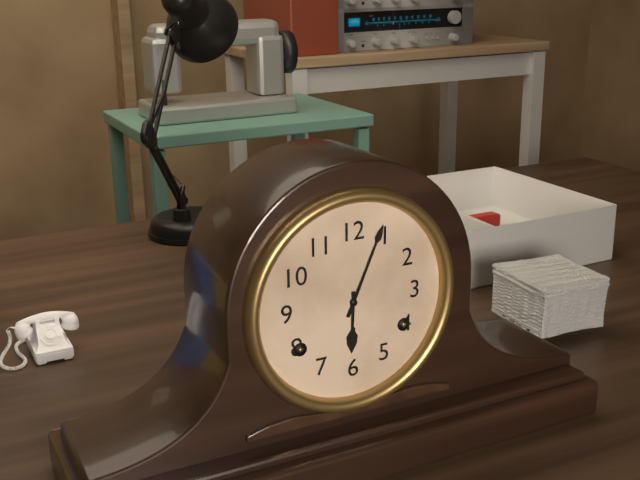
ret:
6:04
